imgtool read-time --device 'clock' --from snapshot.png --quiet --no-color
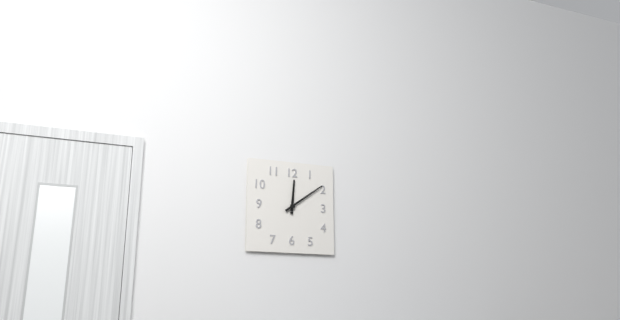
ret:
12:09
